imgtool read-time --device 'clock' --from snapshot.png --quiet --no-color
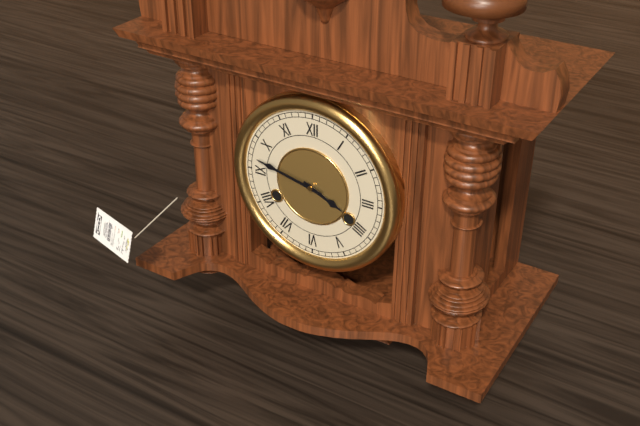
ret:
3:47
